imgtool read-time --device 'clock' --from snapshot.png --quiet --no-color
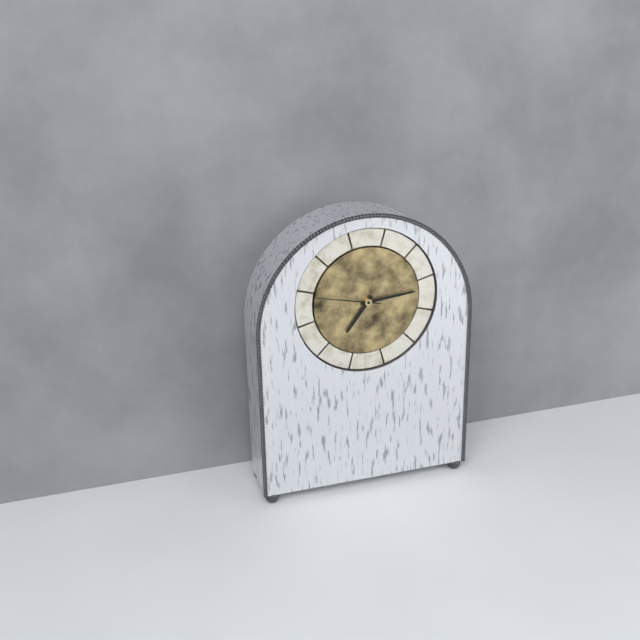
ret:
7:14:47
